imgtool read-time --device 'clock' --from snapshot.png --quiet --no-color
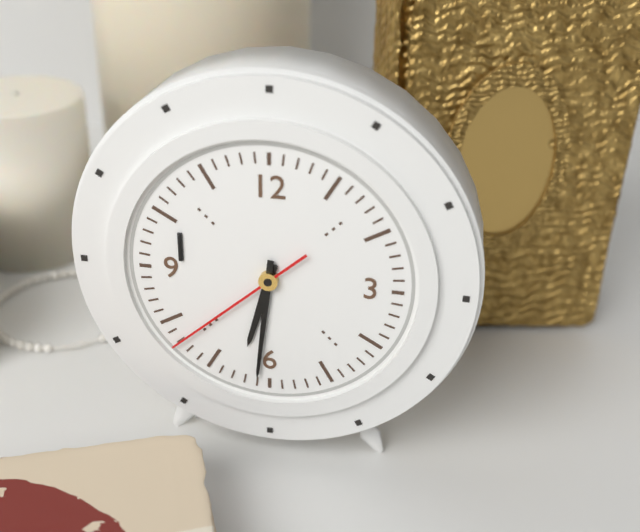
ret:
6:31:38
